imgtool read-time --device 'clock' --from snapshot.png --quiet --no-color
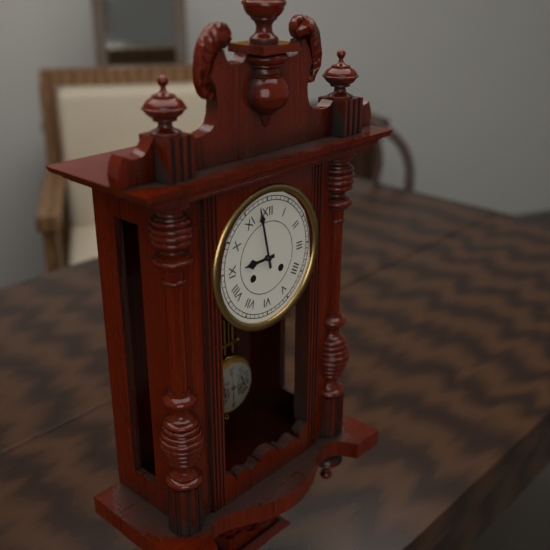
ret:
8:58
